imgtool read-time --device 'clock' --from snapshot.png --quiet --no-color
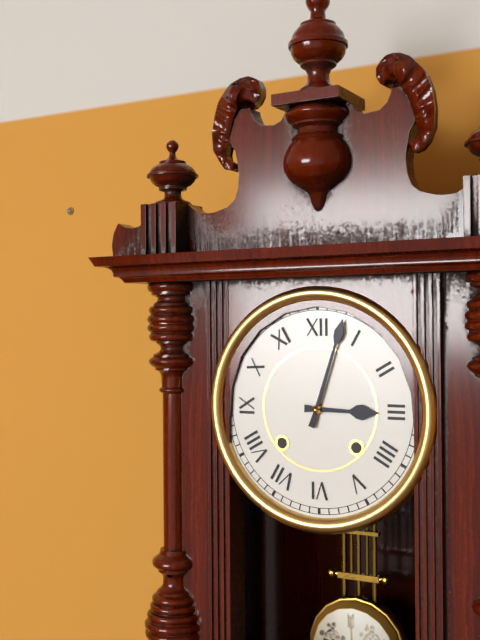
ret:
3:03
